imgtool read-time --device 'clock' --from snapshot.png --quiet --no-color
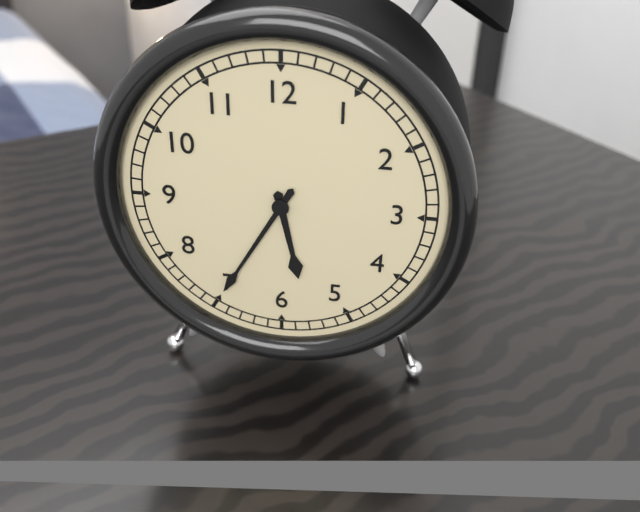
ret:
5:35
